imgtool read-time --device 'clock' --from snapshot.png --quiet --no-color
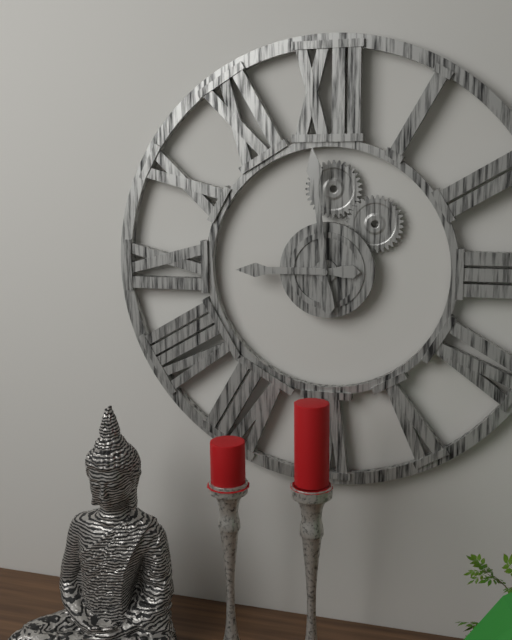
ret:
8:59
